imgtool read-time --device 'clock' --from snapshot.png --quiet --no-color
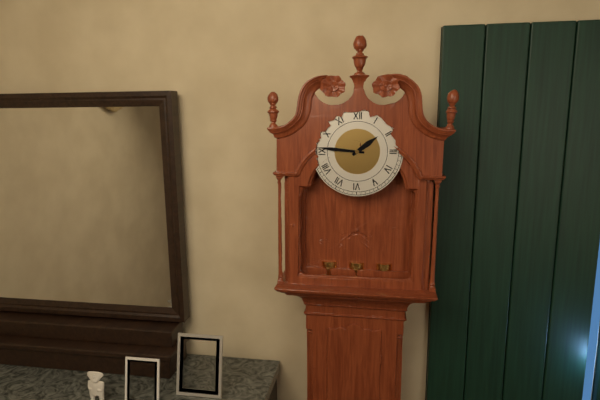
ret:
1:46
